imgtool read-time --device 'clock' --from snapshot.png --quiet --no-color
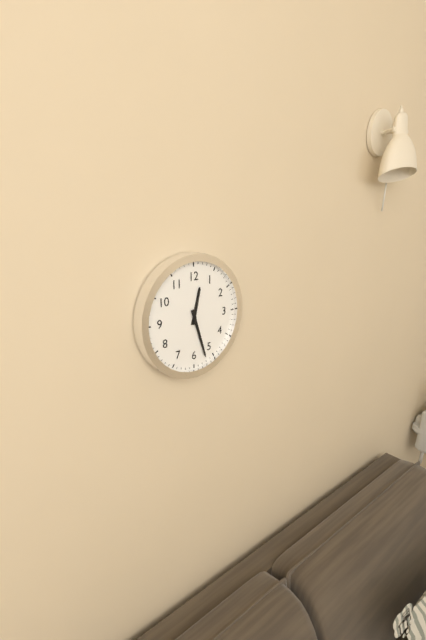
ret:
12:27
